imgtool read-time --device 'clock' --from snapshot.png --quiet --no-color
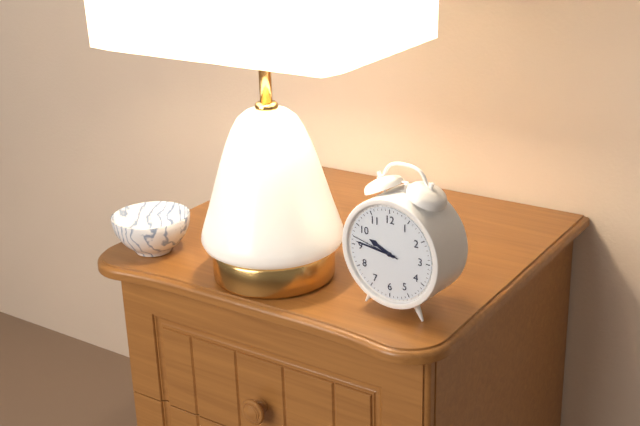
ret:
9:46:47
